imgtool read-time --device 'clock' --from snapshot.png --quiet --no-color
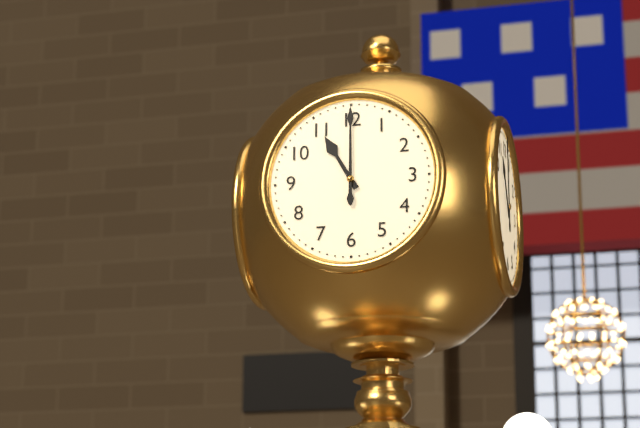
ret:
11:00
